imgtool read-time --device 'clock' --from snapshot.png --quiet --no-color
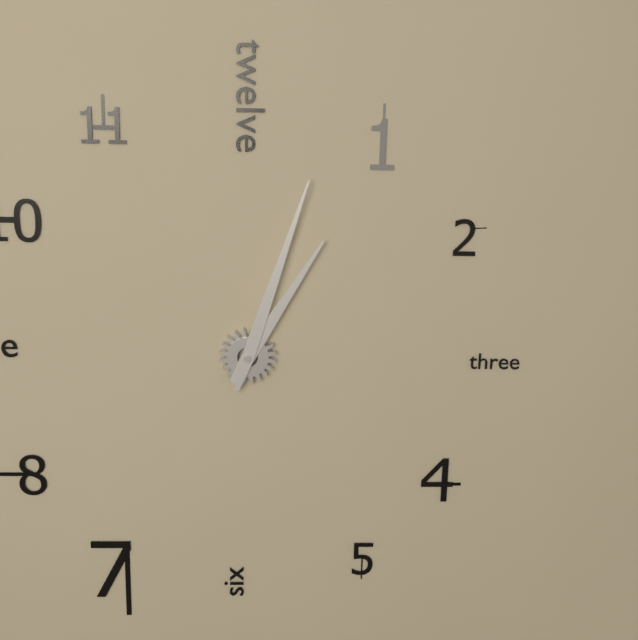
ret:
1:03
